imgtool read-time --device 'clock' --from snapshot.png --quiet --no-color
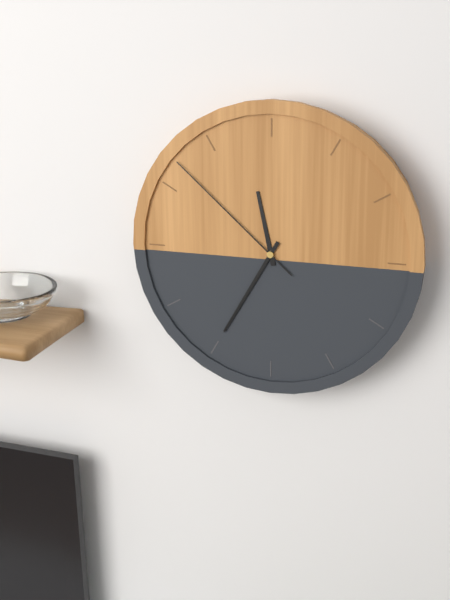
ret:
11:35:52
